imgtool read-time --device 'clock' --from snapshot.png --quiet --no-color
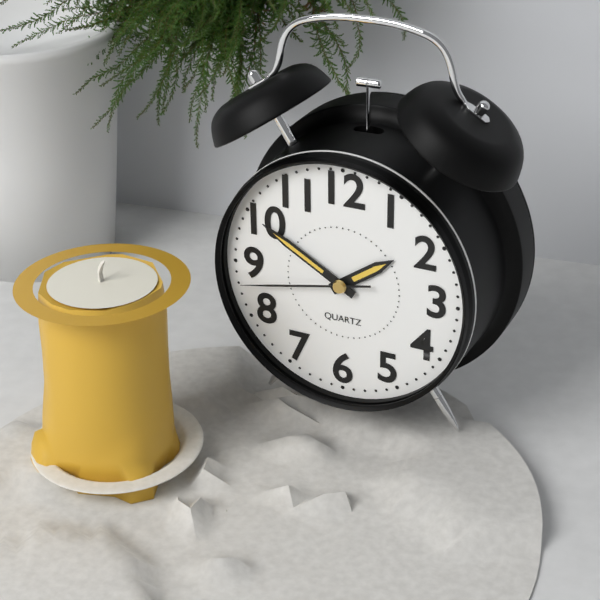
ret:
1:50:43
